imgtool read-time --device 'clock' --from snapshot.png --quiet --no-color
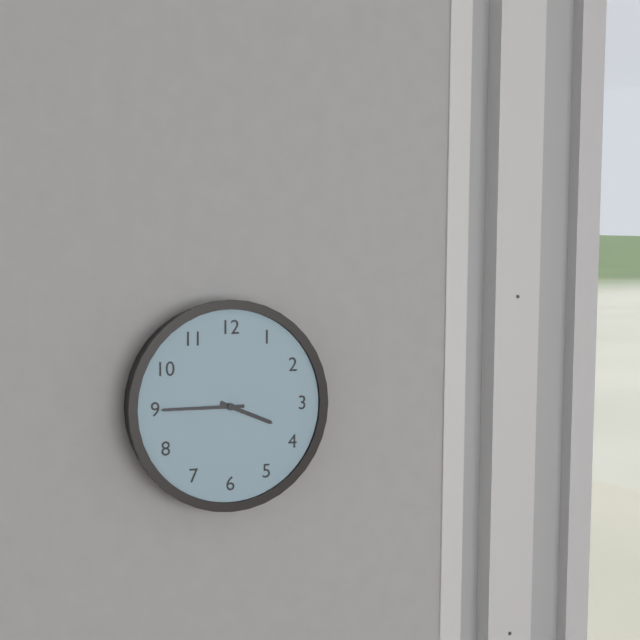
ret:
3:45
